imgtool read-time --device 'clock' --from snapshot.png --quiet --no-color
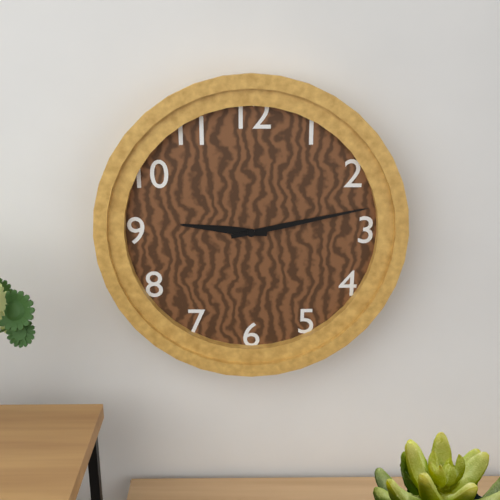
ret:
9:13
